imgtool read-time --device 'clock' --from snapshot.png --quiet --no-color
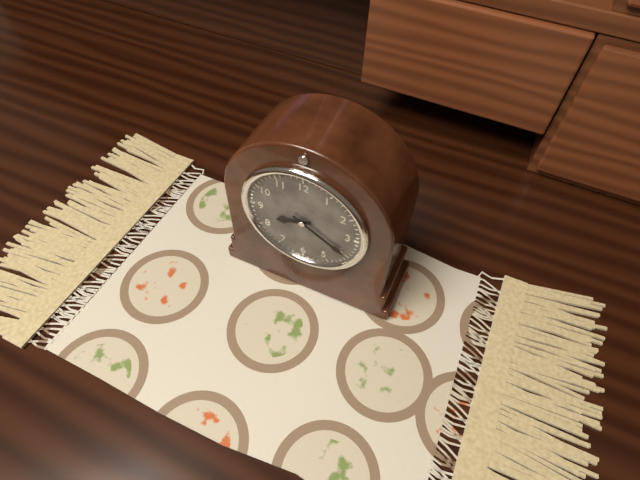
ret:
8:20
